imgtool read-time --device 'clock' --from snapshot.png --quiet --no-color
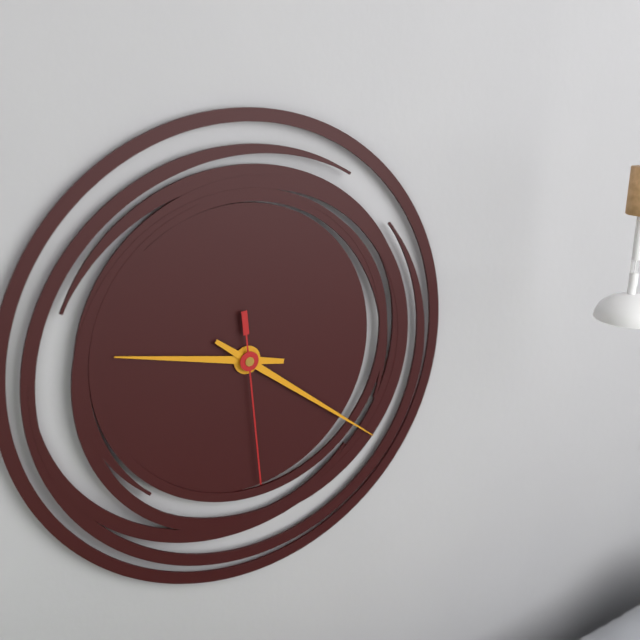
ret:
9:21:29
